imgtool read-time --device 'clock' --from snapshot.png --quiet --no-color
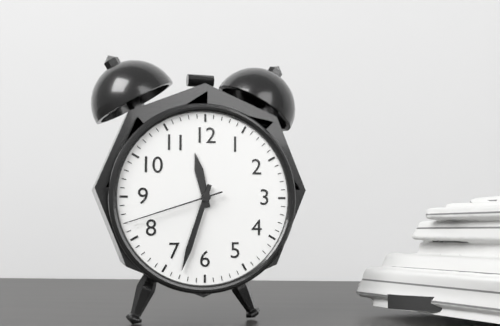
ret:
11:33:42
